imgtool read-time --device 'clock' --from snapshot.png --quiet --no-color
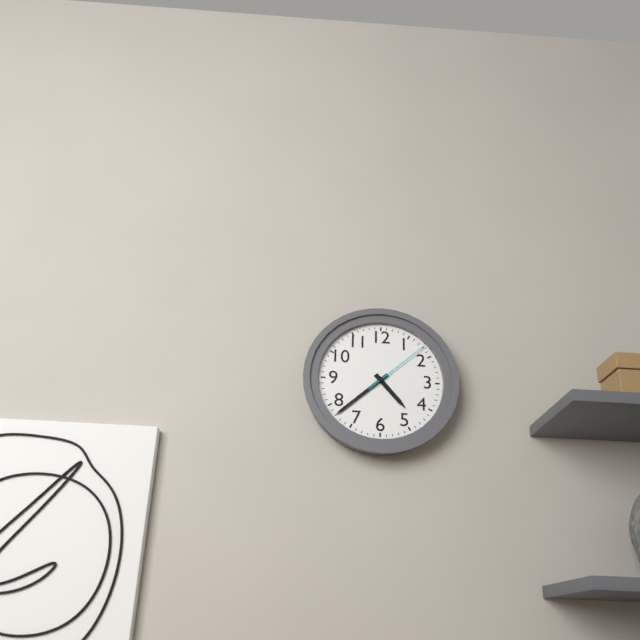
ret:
4:38:08
